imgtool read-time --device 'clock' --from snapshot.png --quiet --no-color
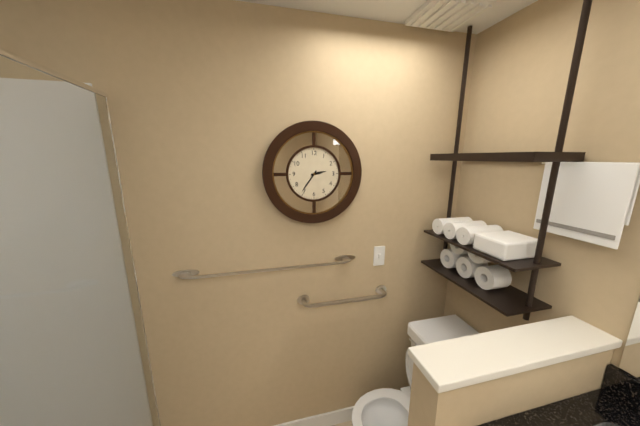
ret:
2:36
